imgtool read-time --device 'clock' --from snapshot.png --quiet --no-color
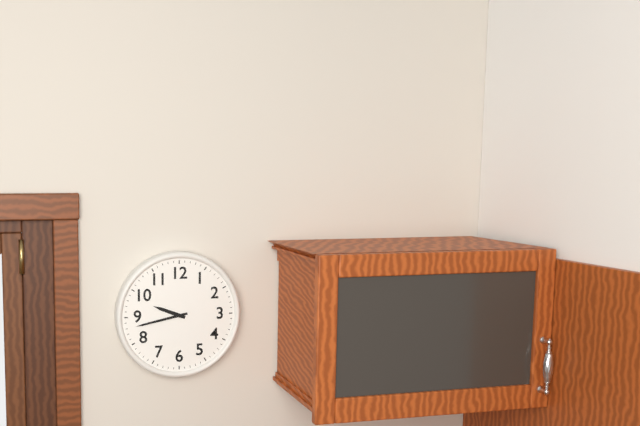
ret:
9:43
